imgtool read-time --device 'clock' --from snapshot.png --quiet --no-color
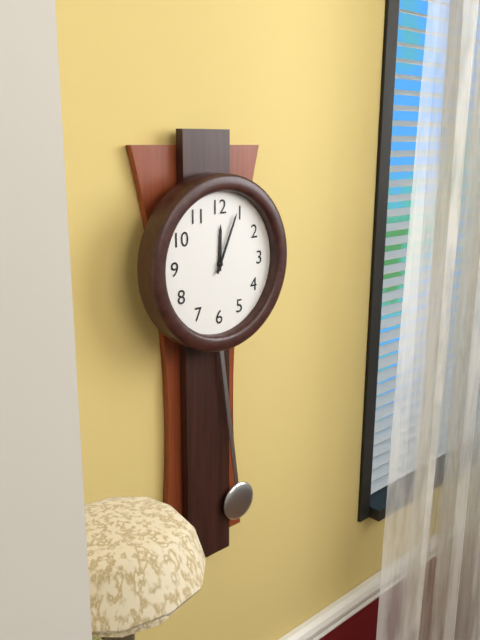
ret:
12:04
